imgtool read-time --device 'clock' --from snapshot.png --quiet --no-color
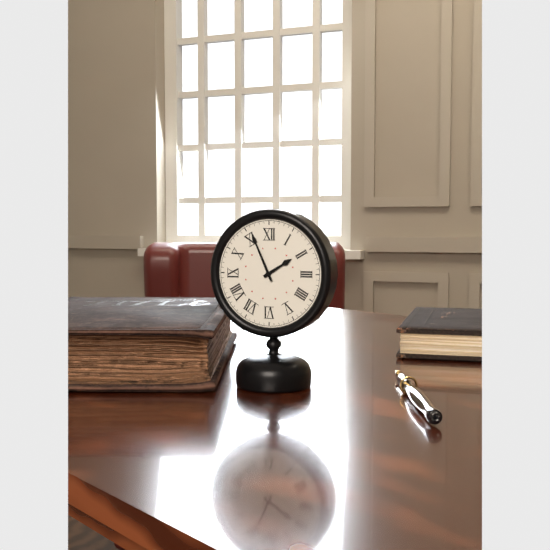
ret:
1:56
